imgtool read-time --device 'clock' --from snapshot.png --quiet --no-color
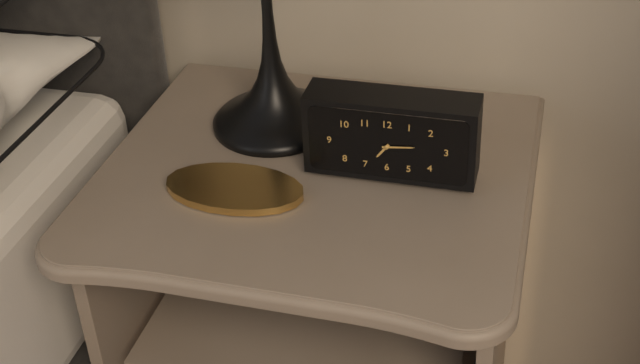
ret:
7:14
